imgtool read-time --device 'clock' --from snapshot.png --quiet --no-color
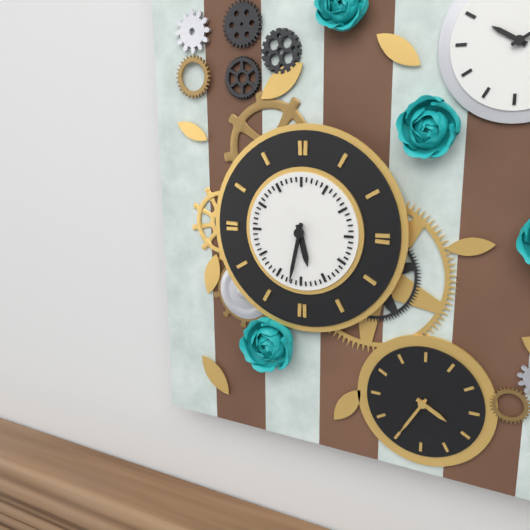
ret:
5:32
